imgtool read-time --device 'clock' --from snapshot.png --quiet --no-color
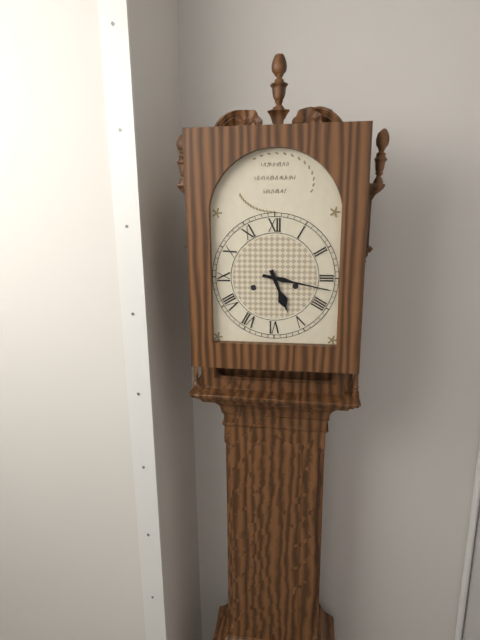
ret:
5:17
